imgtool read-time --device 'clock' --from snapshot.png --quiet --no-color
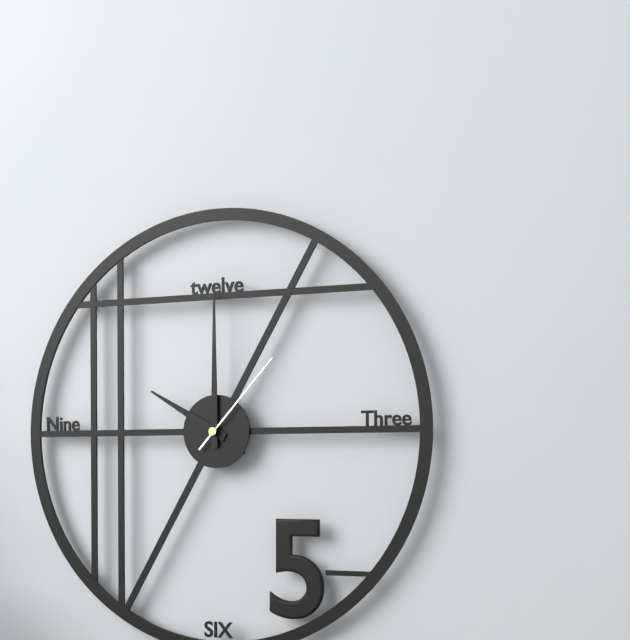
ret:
10:00:07
